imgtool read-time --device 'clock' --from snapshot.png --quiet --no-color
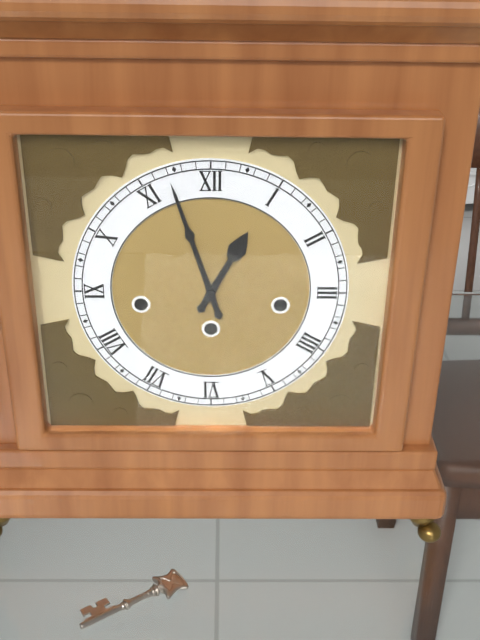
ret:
12:57
